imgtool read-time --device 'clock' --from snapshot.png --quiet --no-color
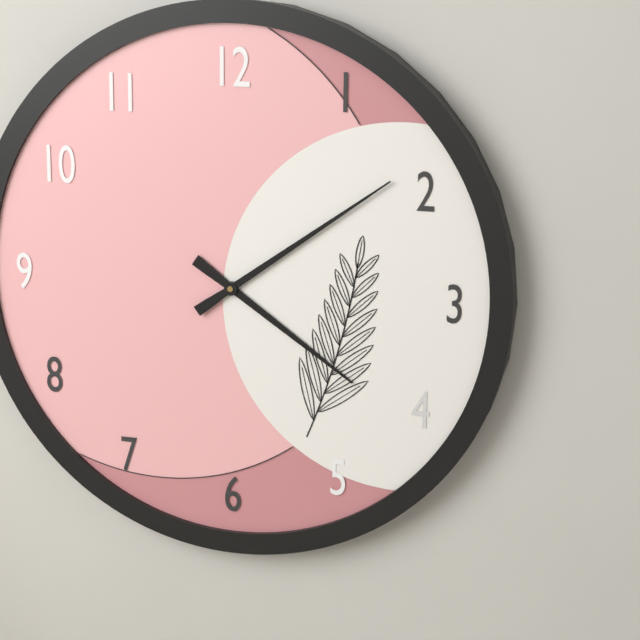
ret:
4:09
